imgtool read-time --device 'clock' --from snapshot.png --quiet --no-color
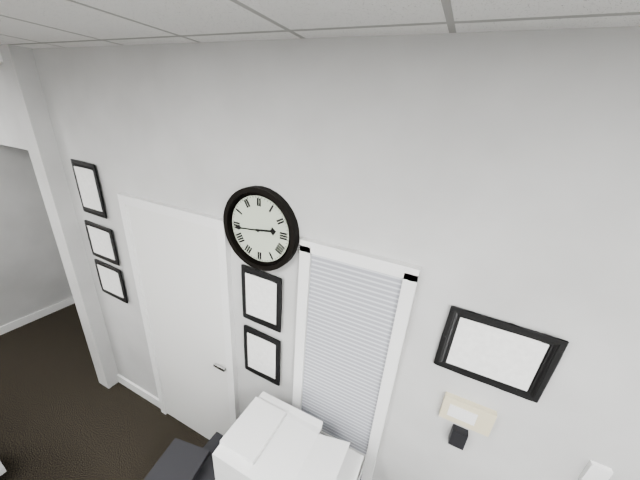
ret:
2:44
